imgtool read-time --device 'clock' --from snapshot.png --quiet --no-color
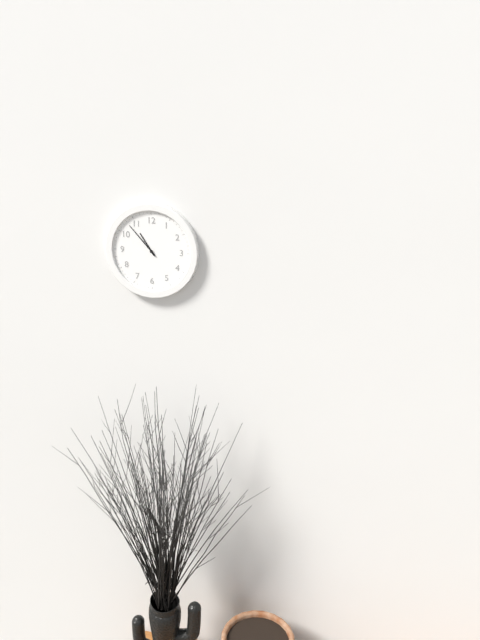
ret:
10:53
